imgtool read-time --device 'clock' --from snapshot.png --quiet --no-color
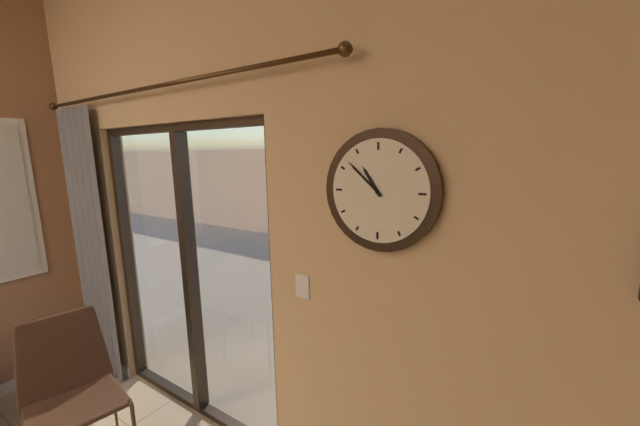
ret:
10:52
